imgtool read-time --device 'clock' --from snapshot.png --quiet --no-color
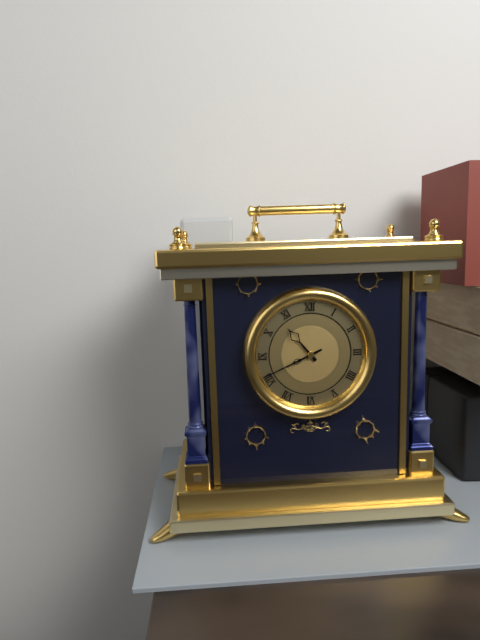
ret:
10:41
